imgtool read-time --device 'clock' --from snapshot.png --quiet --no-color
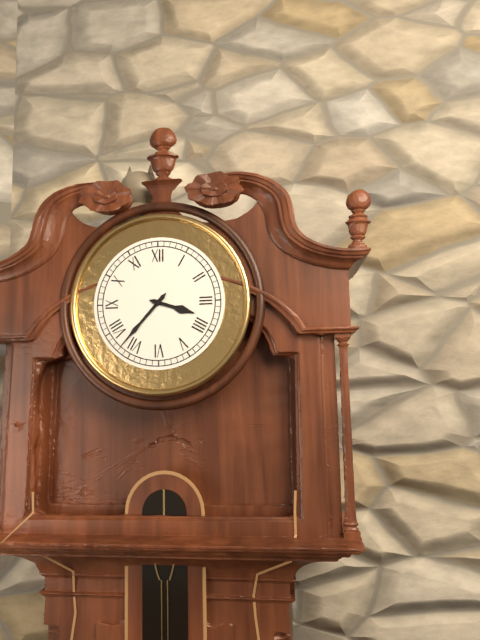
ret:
3:37
